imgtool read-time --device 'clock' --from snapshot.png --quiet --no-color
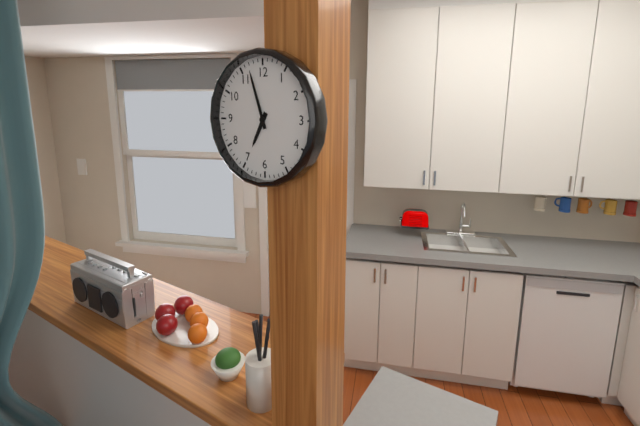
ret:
6:57
